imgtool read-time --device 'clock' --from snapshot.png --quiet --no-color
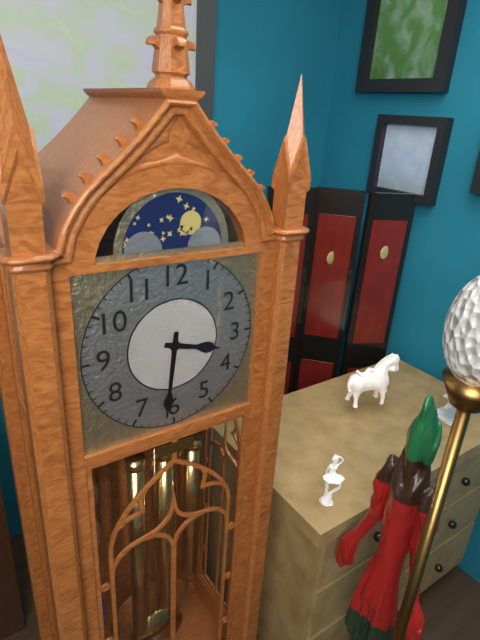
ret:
3:31
